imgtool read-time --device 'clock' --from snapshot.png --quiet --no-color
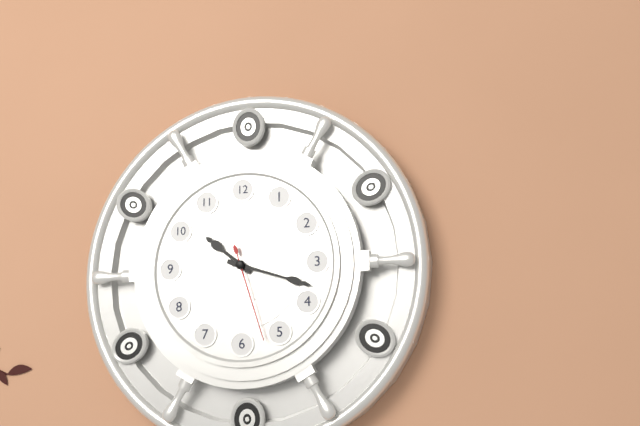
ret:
10:18:27
